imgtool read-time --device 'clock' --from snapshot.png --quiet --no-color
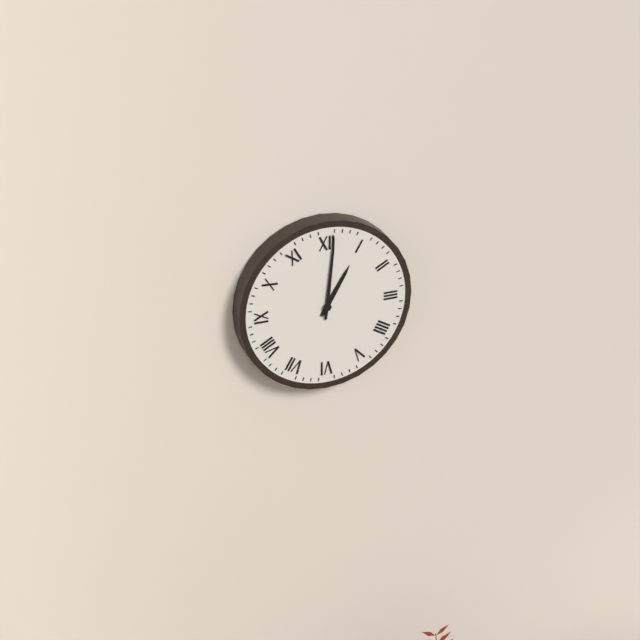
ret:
1:01
